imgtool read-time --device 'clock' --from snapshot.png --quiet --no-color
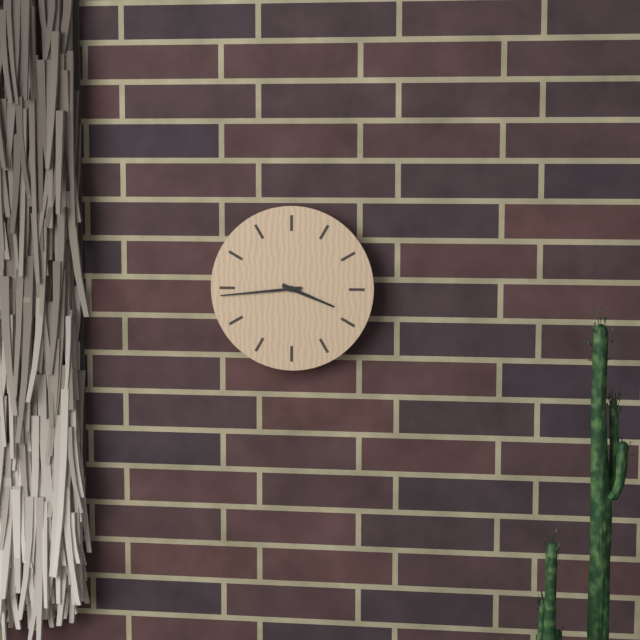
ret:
3:44
